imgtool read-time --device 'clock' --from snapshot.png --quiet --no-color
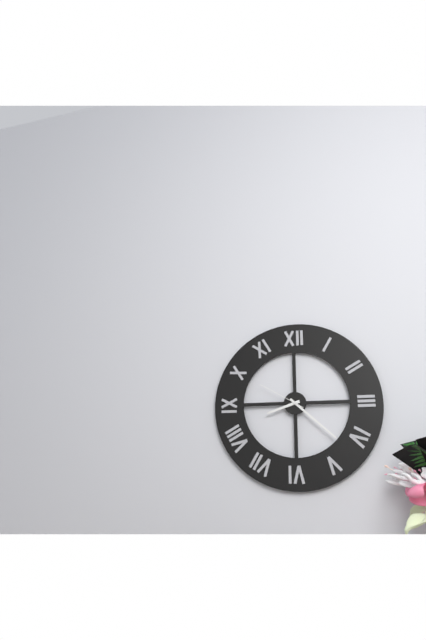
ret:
8:22:50
